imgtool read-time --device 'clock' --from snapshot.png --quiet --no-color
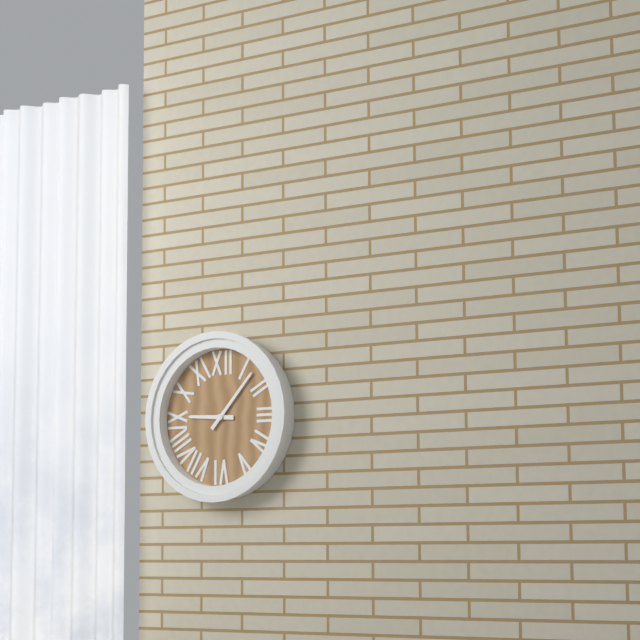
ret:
9:07
